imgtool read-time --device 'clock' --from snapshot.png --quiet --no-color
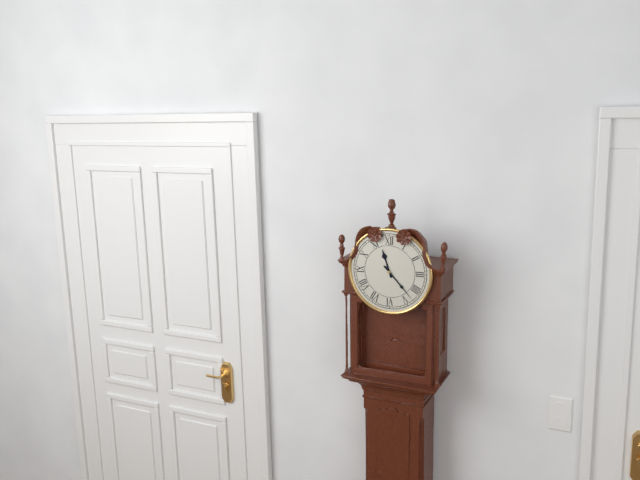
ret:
11:23
